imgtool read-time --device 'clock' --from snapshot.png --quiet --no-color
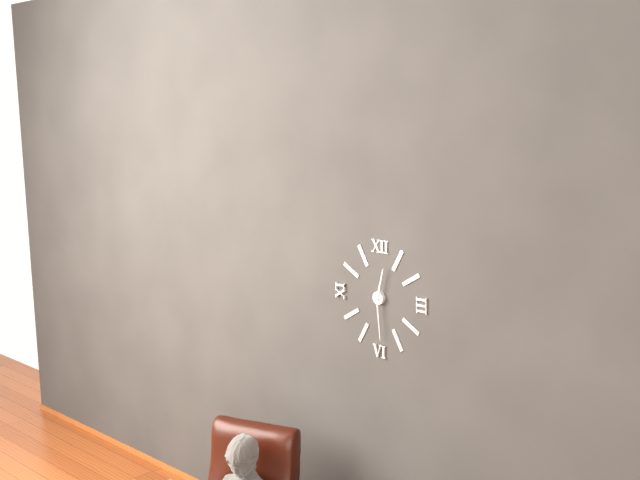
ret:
12:29
